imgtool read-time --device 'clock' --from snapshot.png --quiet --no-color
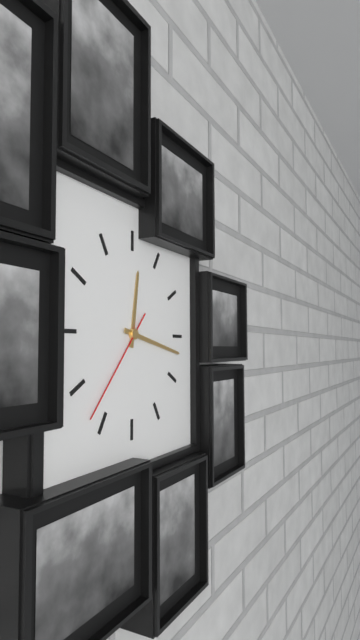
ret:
12:17:37
